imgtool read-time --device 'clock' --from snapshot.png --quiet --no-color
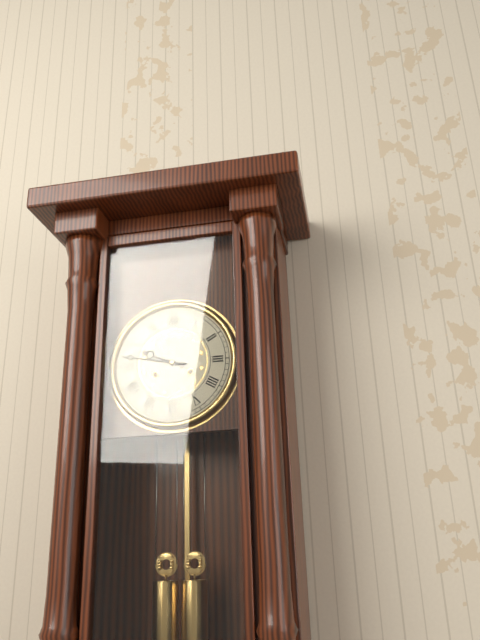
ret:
9:47
